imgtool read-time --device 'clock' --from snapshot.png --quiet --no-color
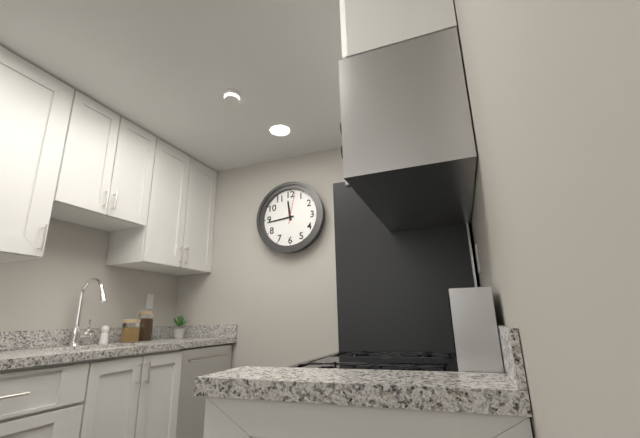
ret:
11:44
